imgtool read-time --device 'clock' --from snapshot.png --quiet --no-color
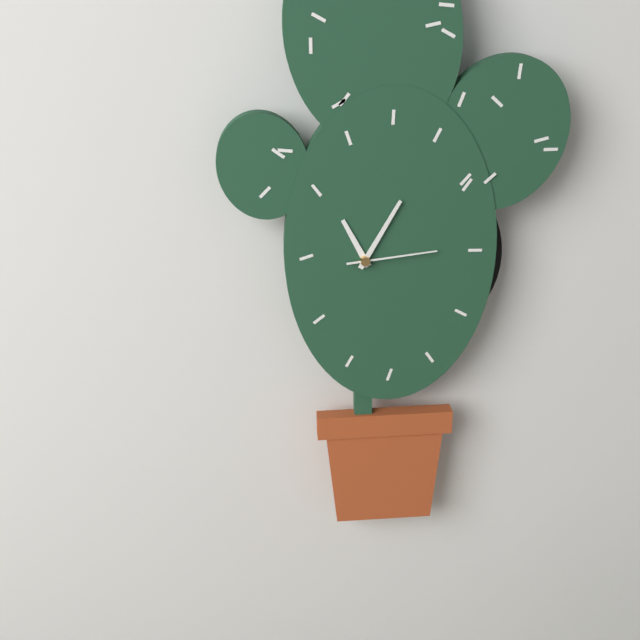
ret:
11:05:14
